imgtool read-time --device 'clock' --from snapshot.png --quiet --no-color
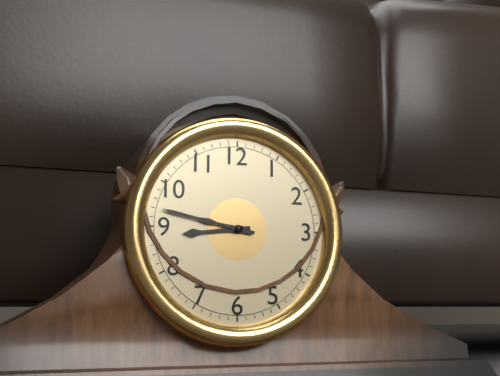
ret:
8:47
